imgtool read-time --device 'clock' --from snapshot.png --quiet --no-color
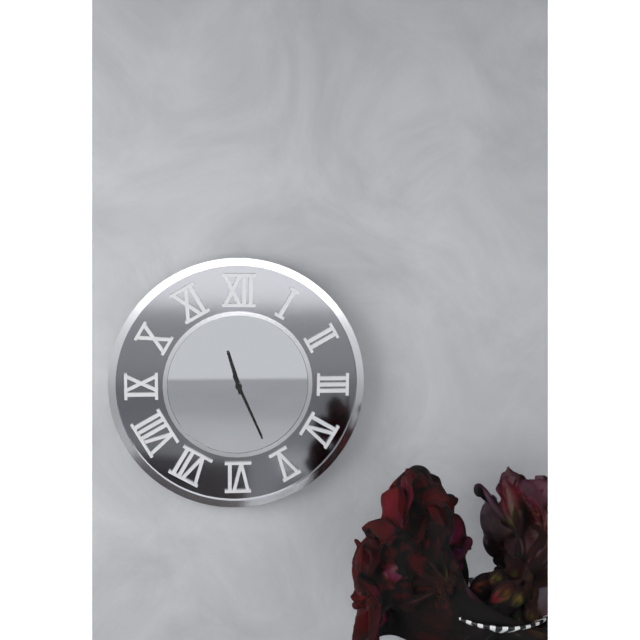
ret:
11:26
